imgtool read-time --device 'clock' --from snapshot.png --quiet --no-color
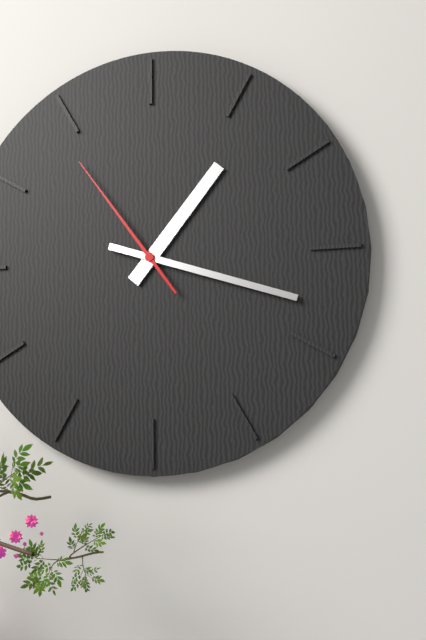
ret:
1:18:54
